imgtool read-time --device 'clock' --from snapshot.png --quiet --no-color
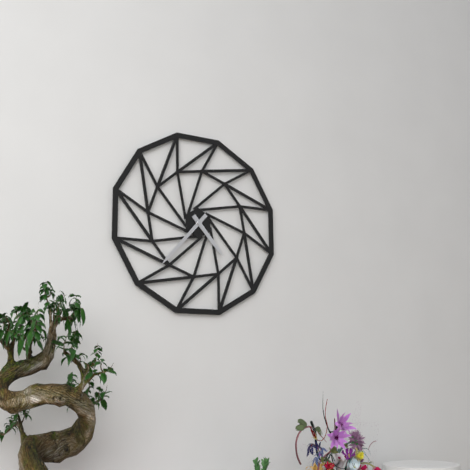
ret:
4:37
